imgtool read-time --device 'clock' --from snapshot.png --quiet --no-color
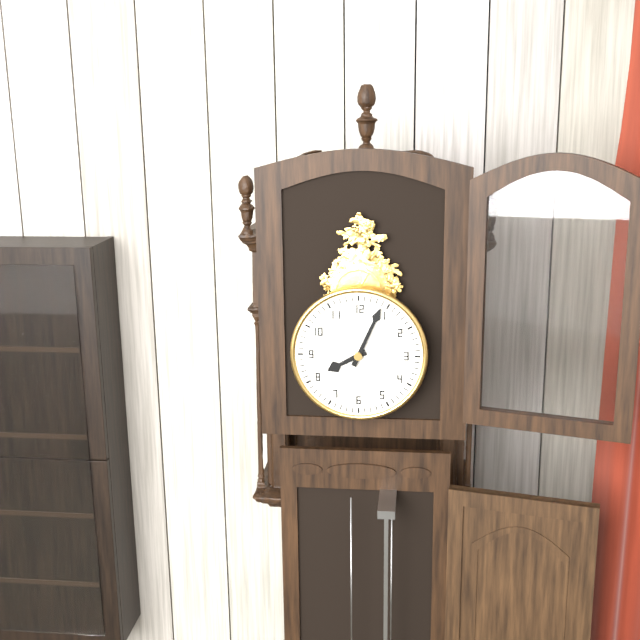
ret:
8:04
